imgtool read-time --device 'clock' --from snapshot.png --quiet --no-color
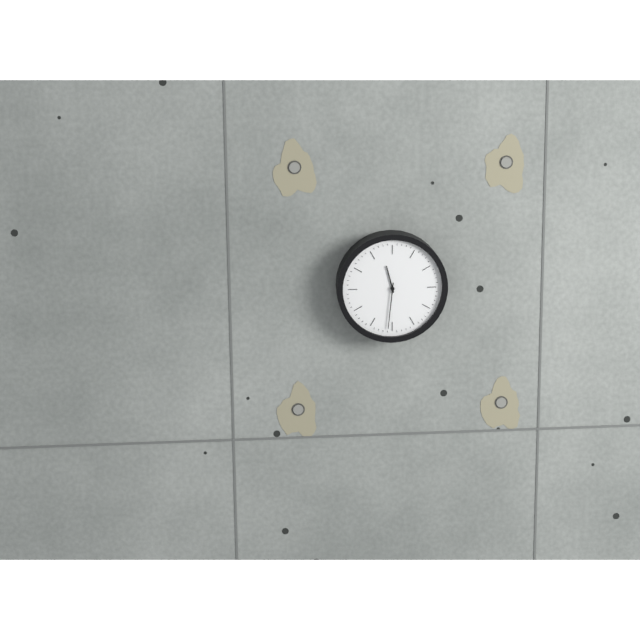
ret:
11:31
